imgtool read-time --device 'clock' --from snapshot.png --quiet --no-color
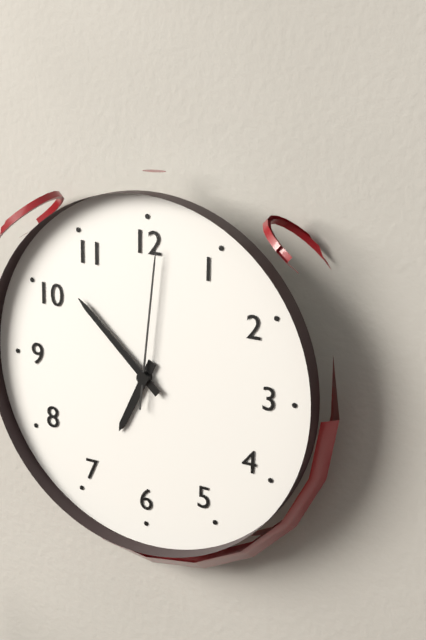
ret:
6:52:01
